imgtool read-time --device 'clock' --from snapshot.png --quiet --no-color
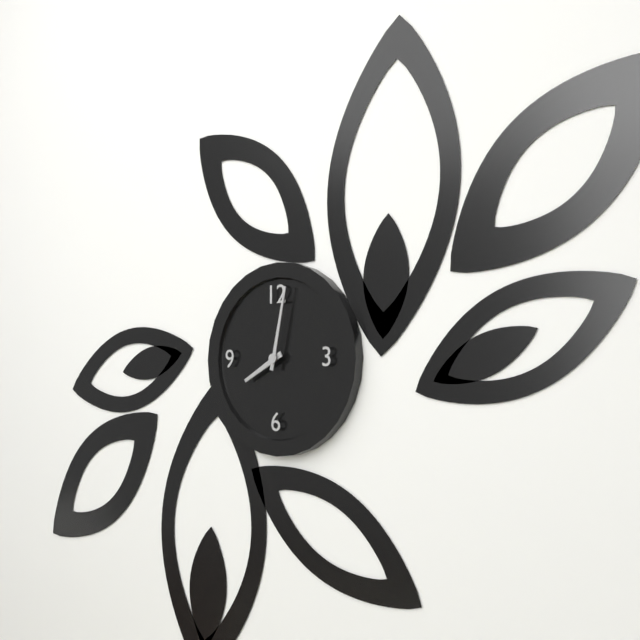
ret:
8:02
